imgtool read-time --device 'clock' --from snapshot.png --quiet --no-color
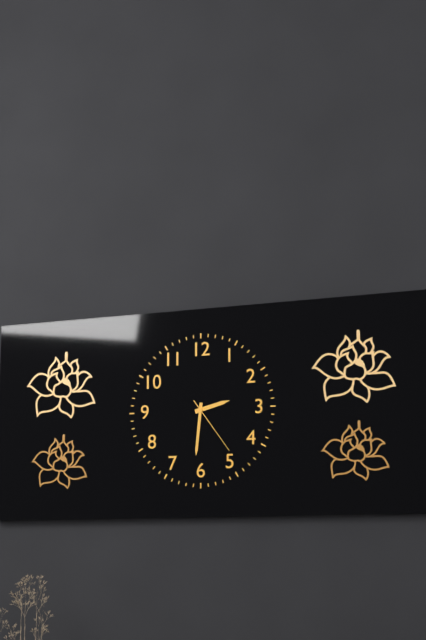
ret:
2:31:24
